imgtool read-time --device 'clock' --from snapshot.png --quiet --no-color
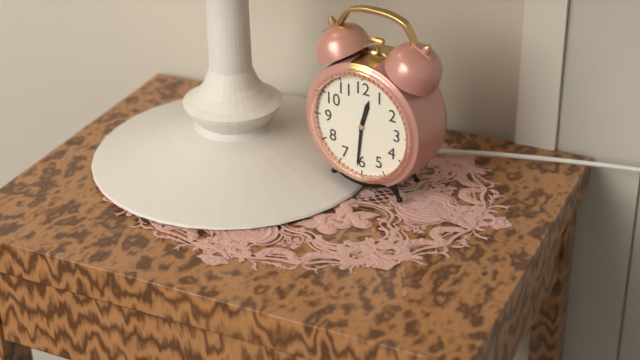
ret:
12:31
